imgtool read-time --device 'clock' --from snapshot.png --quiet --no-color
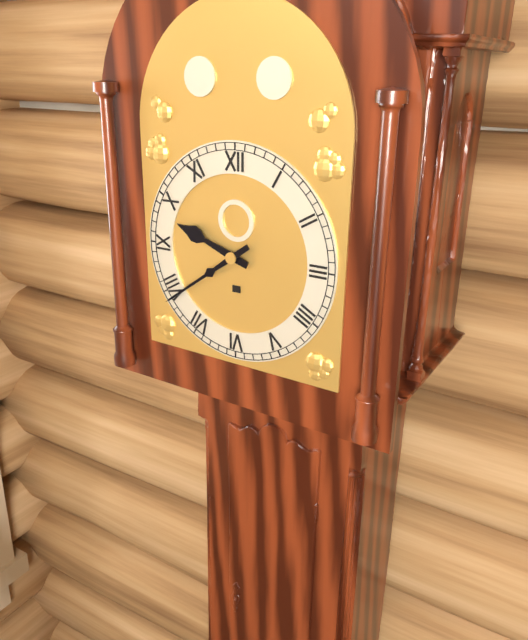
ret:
9:39
